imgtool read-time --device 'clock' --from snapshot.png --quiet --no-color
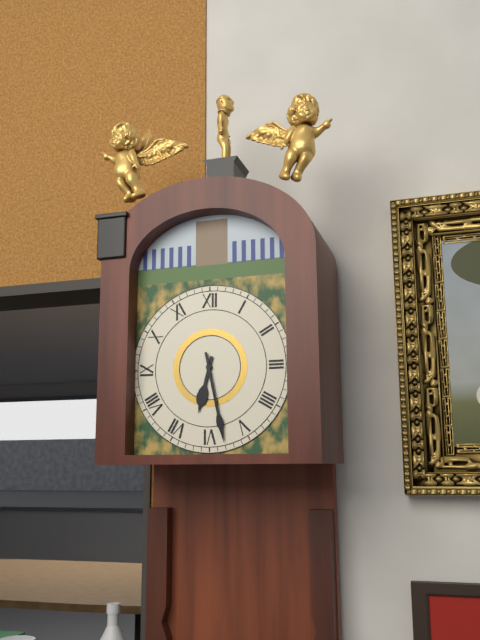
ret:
6:28
